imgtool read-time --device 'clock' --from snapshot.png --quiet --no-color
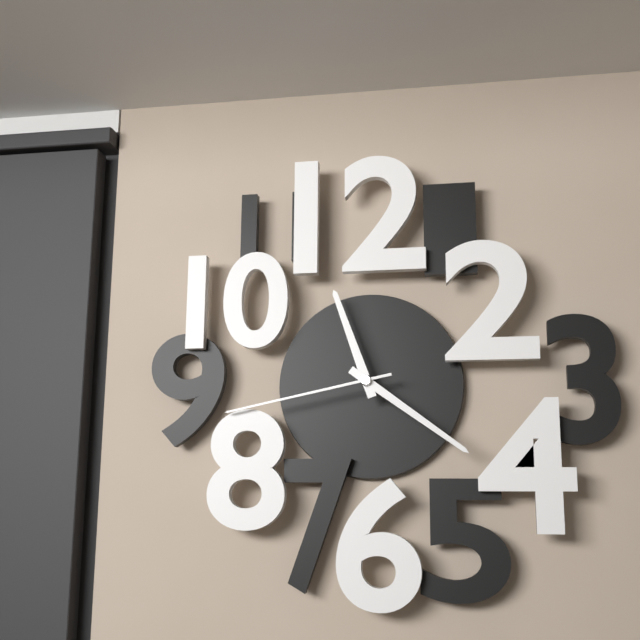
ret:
11:21:43
